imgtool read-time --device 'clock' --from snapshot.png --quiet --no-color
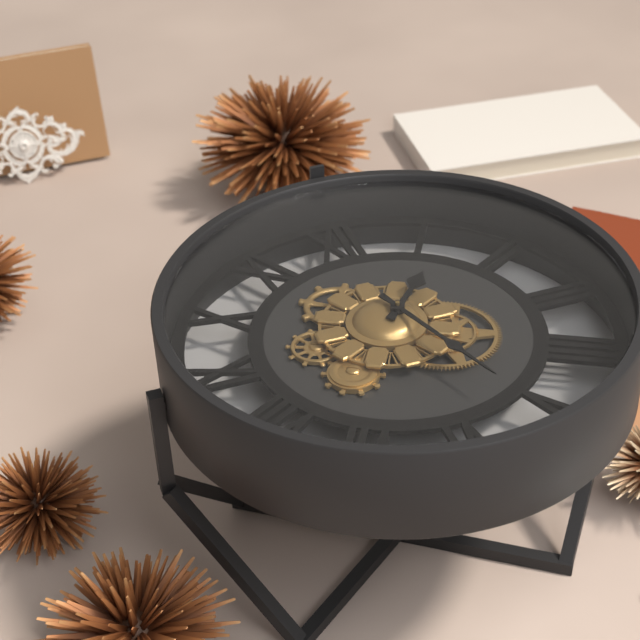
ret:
1:27
